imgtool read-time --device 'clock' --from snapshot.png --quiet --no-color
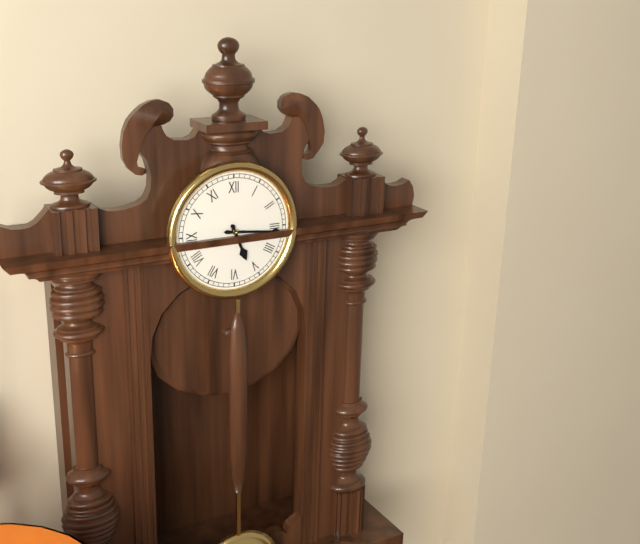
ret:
5:16
